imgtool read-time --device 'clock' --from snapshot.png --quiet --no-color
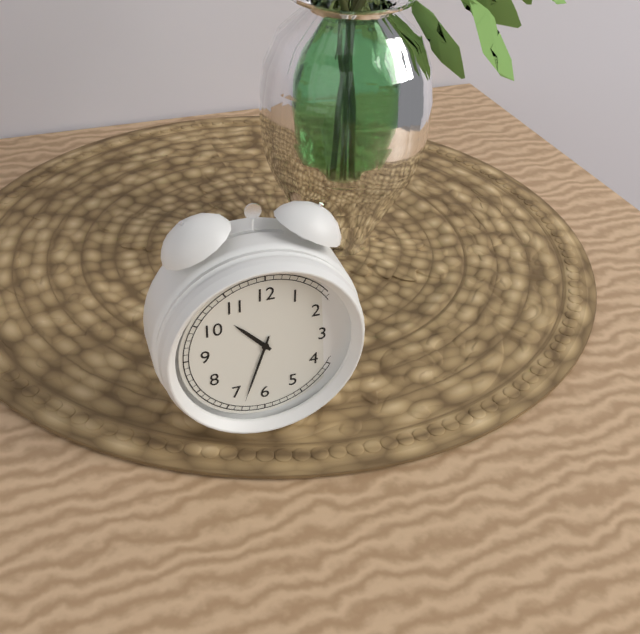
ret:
10:33
